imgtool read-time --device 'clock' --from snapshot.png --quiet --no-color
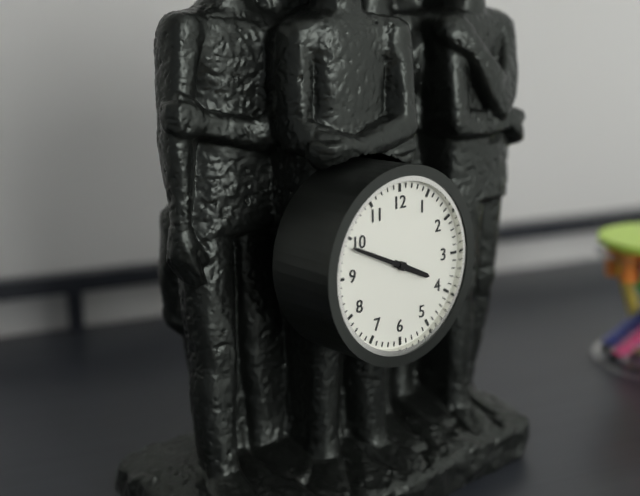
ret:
3:49
